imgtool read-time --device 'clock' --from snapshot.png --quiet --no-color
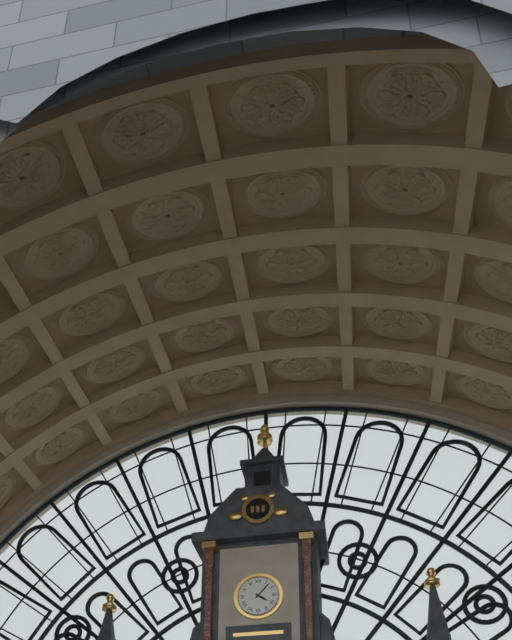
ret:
4:07
